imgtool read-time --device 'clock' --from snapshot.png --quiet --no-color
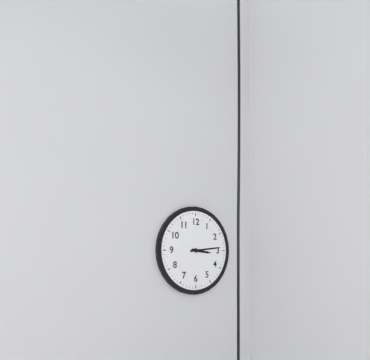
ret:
3:14
